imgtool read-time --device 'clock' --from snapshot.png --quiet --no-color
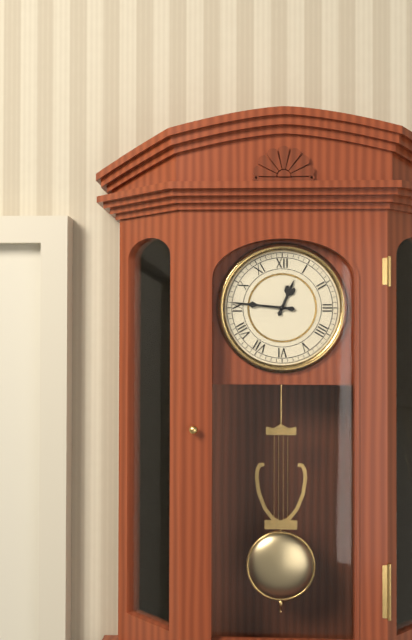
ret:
12:46
